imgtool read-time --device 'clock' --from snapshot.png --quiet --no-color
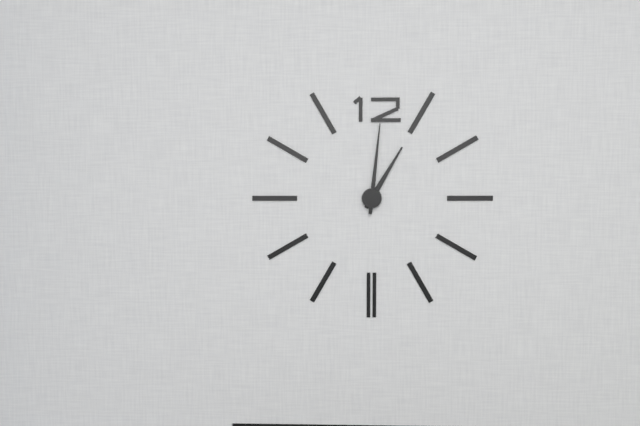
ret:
1:01
